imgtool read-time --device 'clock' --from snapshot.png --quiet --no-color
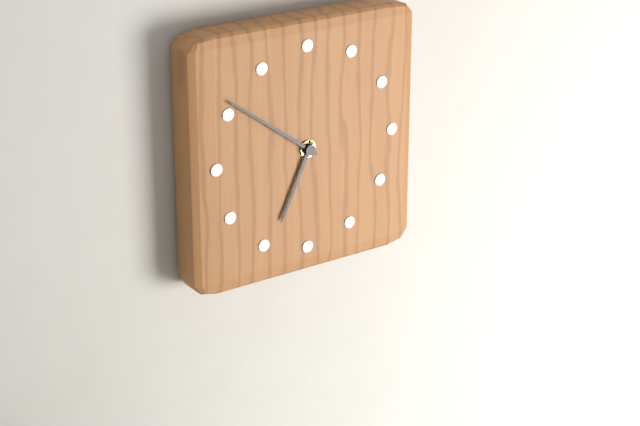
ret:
6:51
